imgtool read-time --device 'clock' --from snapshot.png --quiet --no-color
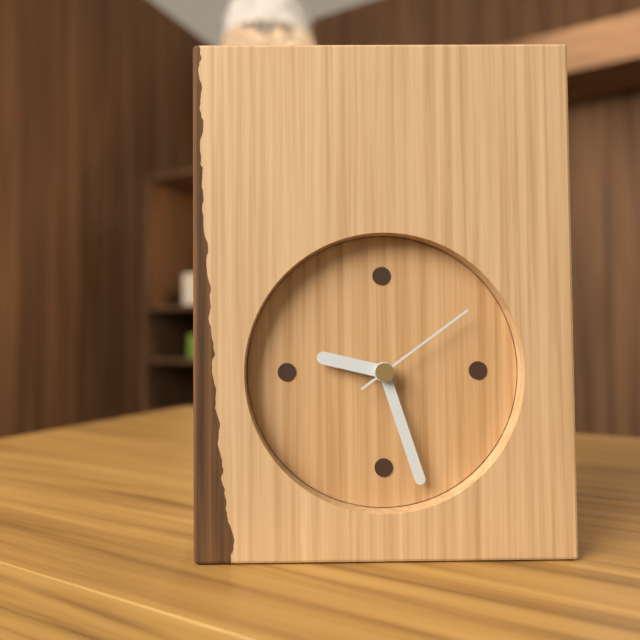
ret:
9:27:09
